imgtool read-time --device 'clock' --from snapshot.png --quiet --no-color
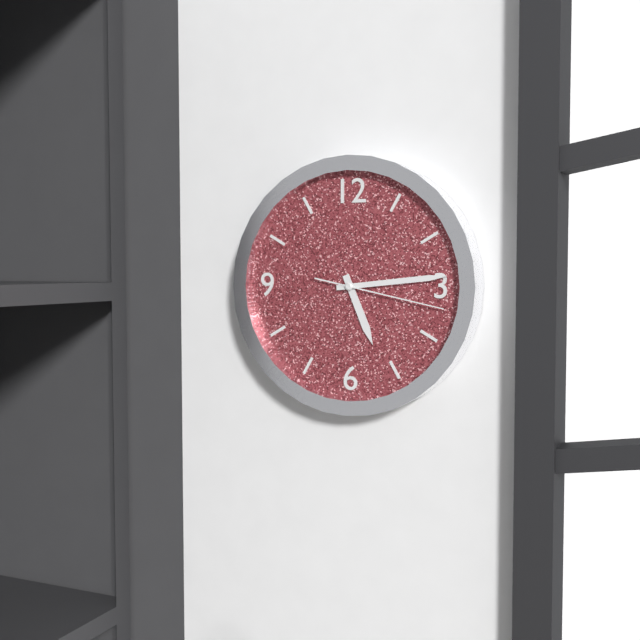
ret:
5:14:17
